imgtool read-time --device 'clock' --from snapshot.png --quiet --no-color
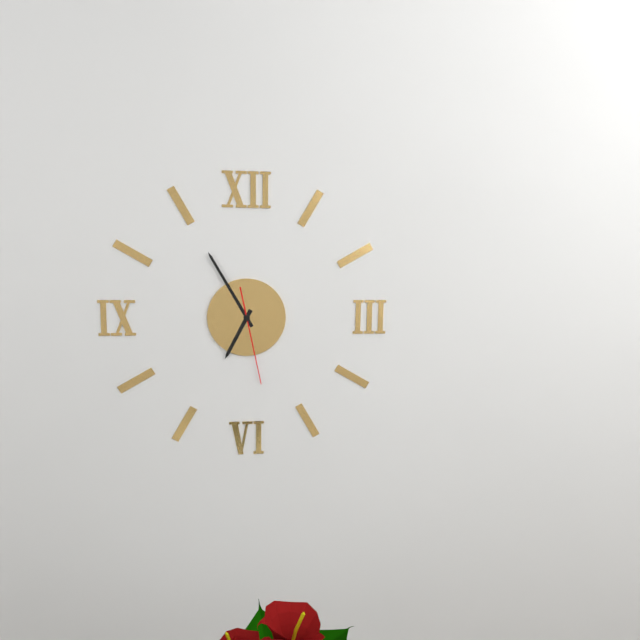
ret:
6:55:28
